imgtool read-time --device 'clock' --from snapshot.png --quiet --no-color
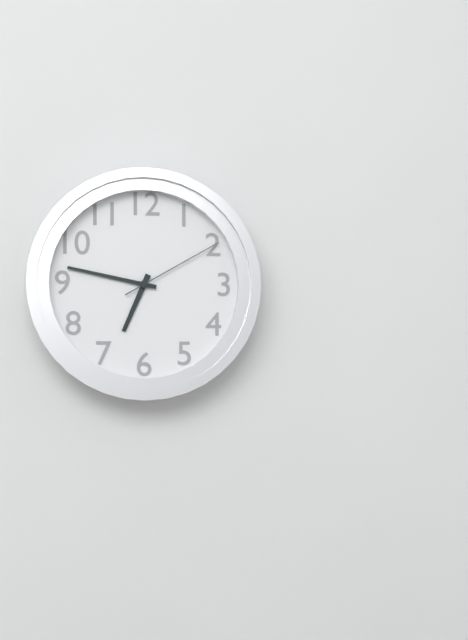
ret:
6:47:10
